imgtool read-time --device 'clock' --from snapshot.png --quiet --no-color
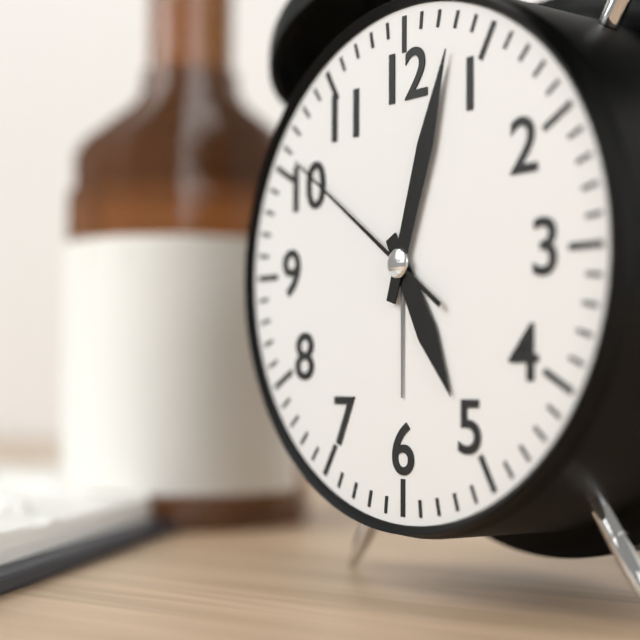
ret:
5:03:51
